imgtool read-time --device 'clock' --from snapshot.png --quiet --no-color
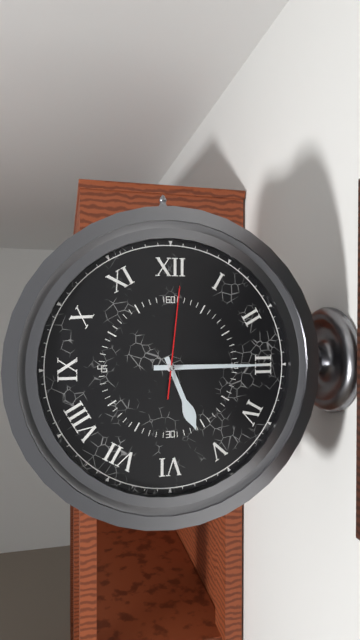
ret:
5:15:01
